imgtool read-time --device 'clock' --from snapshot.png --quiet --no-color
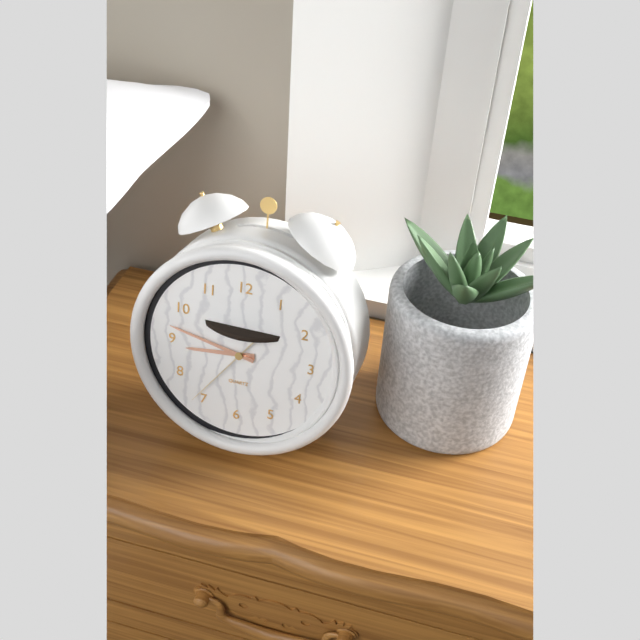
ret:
8:47:36
